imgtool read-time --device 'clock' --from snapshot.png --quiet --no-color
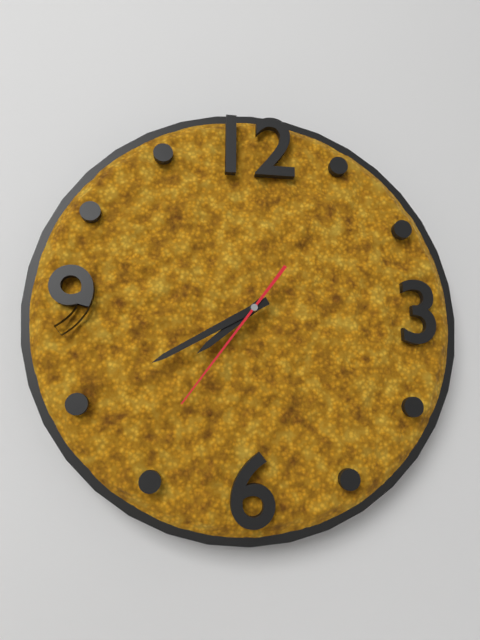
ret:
7:40:36
